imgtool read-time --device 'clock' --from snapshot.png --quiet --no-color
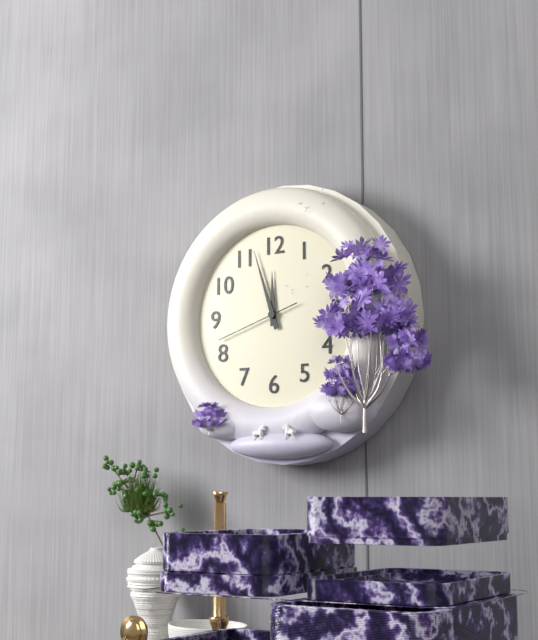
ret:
11:57:42
